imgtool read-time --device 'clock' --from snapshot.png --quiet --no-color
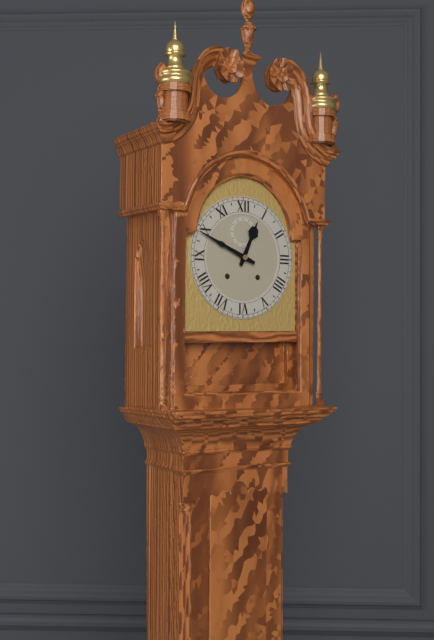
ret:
12:49
